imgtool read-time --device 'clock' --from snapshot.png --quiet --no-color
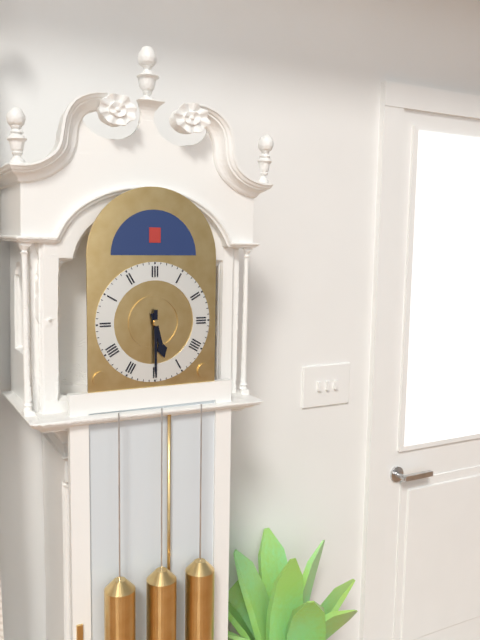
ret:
5:30
